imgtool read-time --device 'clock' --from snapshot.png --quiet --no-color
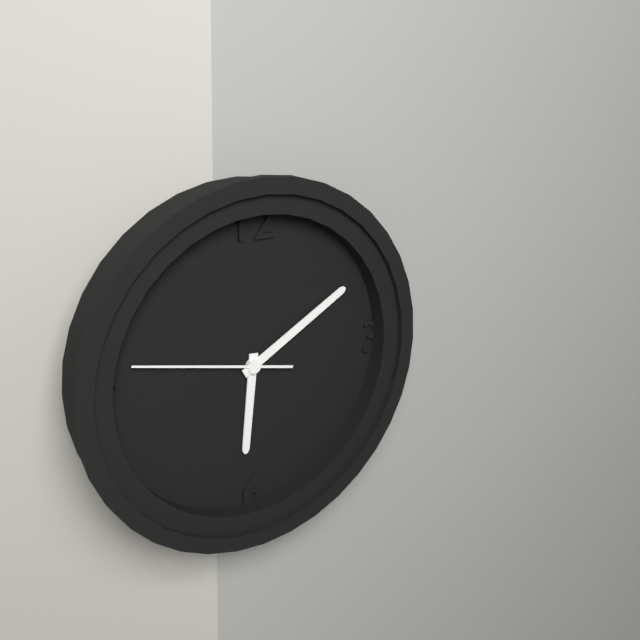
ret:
6:10:47
